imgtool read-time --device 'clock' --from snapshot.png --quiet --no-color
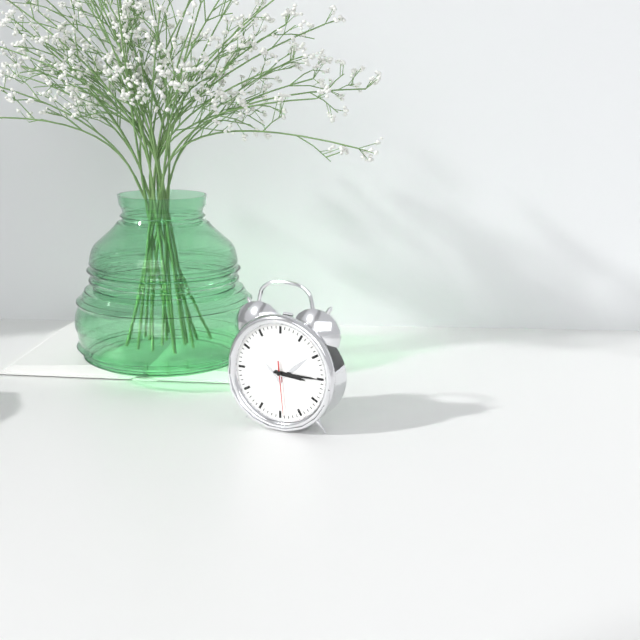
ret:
3:15:29
